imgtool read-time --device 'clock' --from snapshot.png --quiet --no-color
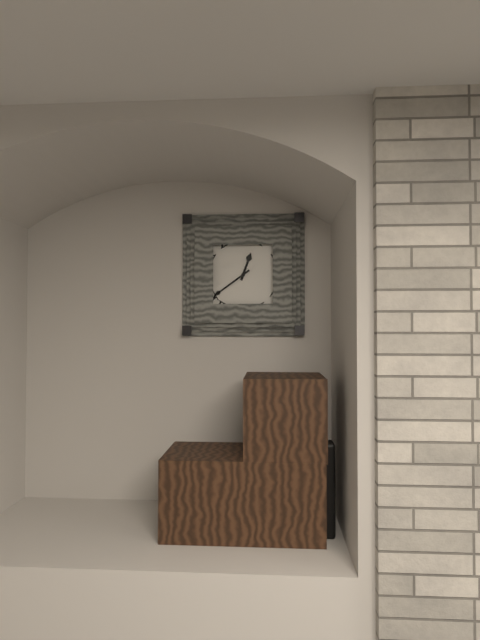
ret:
12:39
